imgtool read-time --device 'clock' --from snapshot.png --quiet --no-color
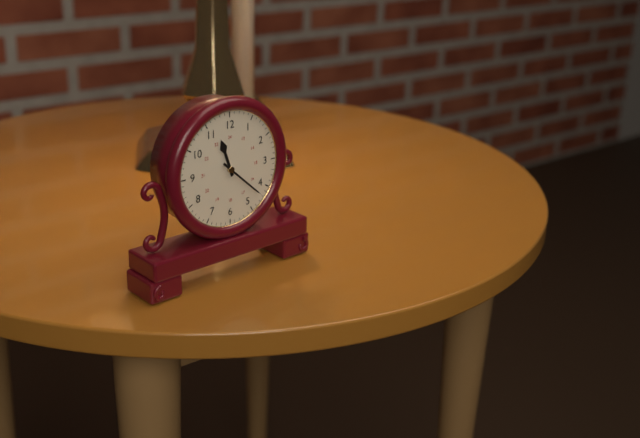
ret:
11:22
